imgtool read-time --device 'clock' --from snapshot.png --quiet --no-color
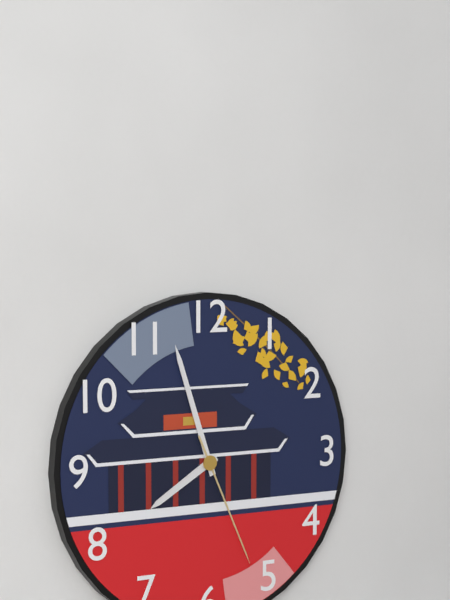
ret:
7:57:26
